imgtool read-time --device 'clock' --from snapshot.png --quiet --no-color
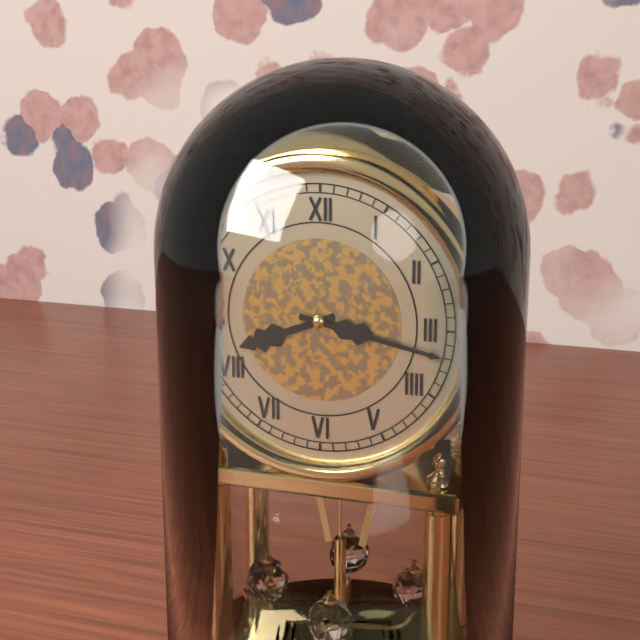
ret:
8:17
